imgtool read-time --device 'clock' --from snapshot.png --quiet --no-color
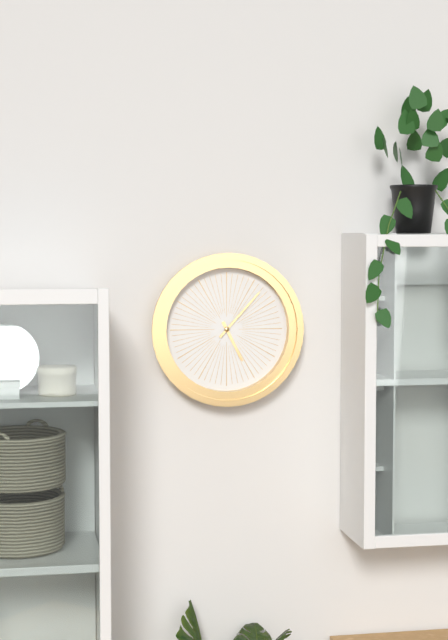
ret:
5:07
